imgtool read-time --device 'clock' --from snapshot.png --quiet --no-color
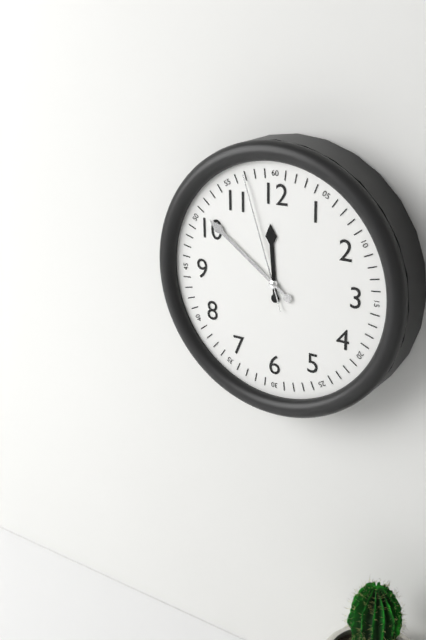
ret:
11:51:57
